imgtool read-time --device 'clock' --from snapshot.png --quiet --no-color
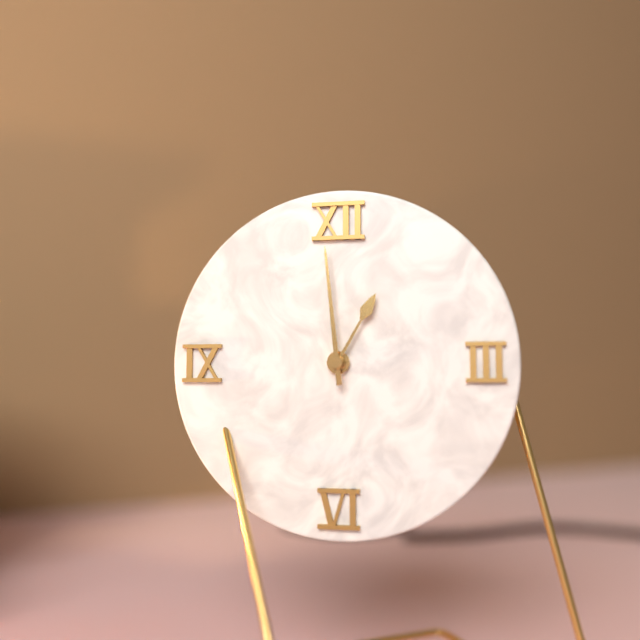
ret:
12:59
